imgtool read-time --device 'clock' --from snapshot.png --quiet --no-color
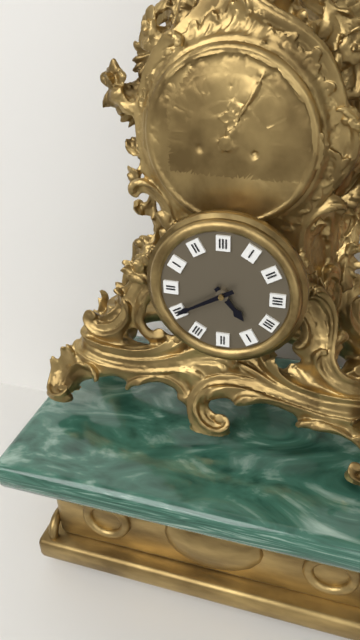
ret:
4:40
